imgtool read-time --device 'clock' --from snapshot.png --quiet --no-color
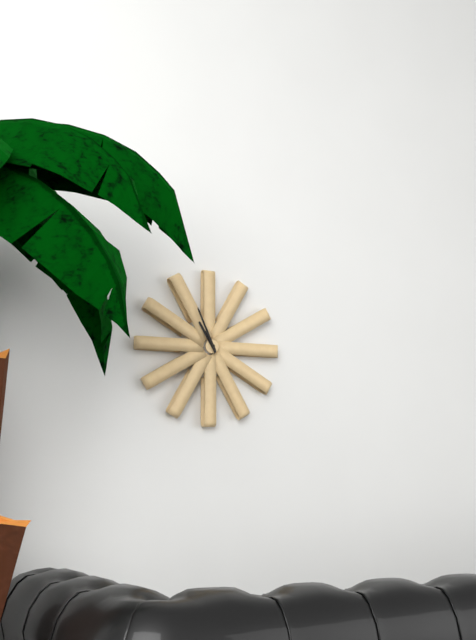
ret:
10:56
